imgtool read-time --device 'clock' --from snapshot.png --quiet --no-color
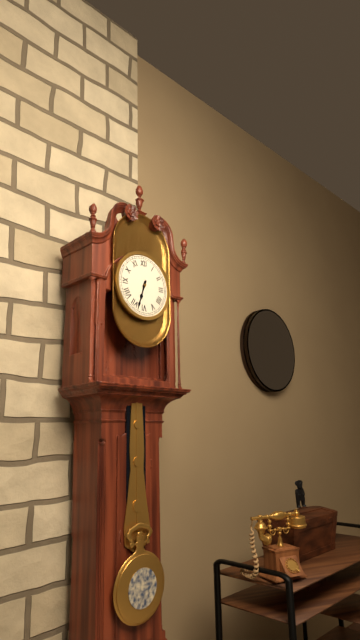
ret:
6:33
